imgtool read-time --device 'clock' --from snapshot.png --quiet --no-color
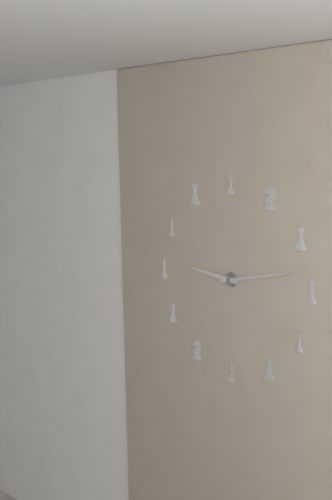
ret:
9:13
